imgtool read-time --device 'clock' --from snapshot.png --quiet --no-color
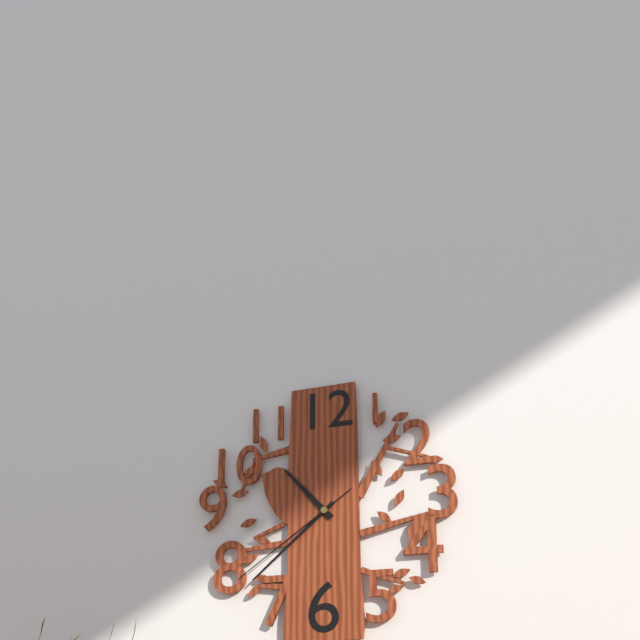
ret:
10:38:39
